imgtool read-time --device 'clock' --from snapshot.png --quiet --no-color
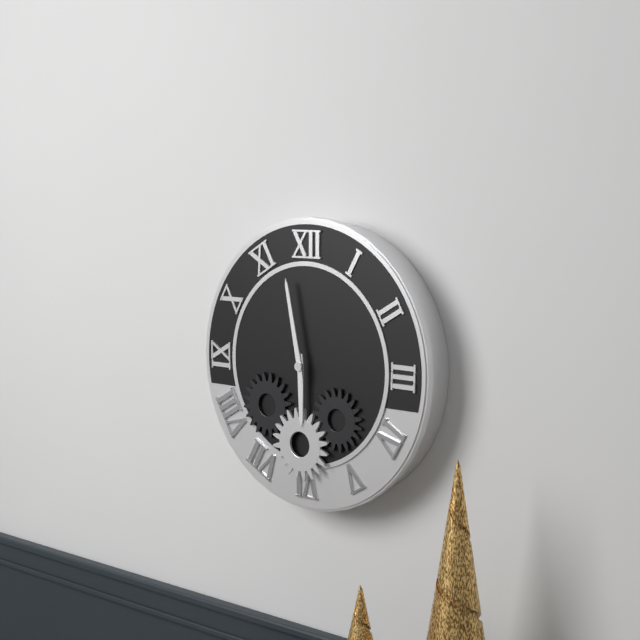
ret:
5:58
